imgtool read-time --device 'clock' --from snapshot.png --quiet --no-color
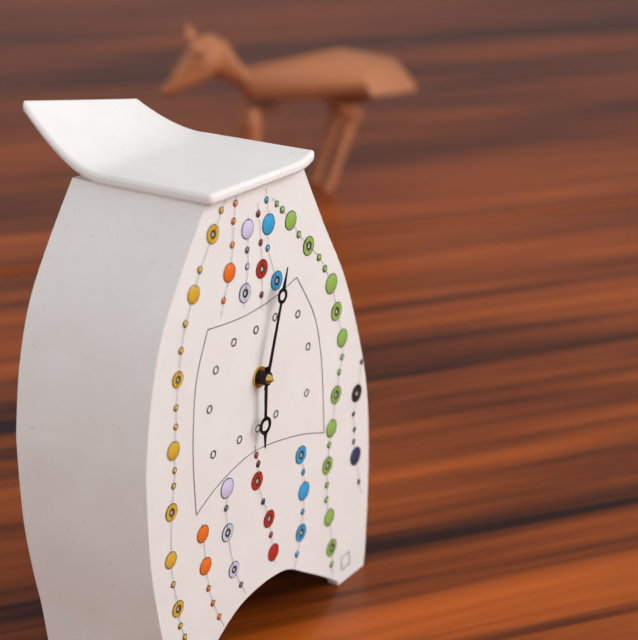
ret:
6:03
